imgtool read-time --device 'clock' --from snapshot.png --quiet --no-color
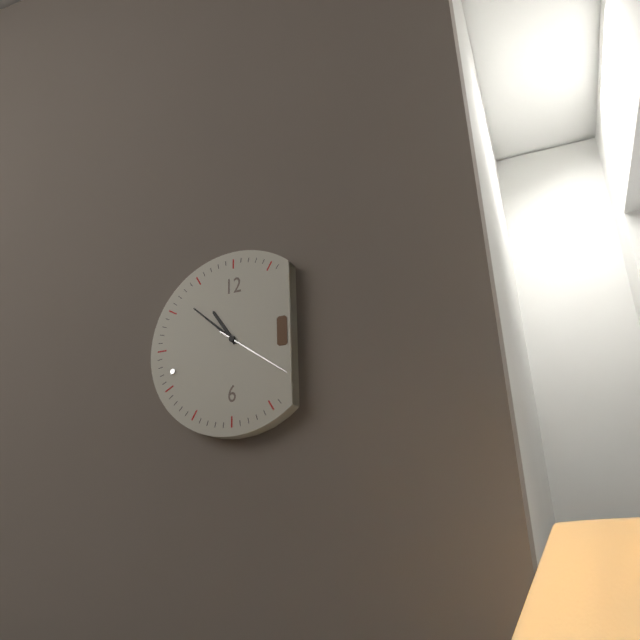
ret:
10:52:21
